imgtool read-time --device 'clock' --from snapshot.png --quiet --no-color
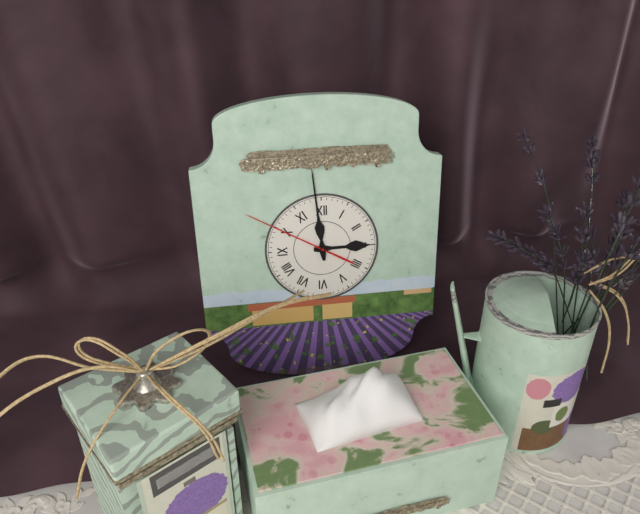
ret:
2:59:50
